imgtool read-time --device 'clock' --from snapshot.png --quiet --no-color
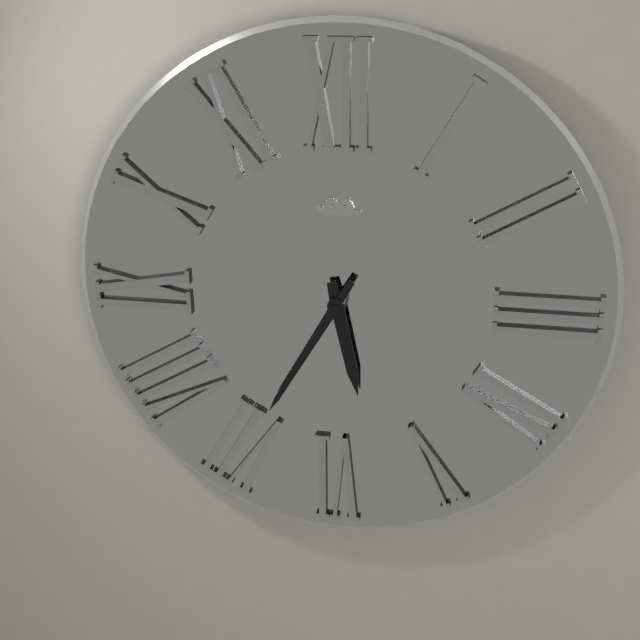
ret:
5:35
